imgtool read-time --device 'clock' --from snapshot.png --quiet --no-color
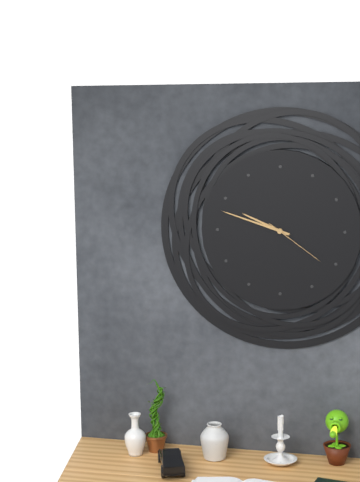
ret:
9:48:21
